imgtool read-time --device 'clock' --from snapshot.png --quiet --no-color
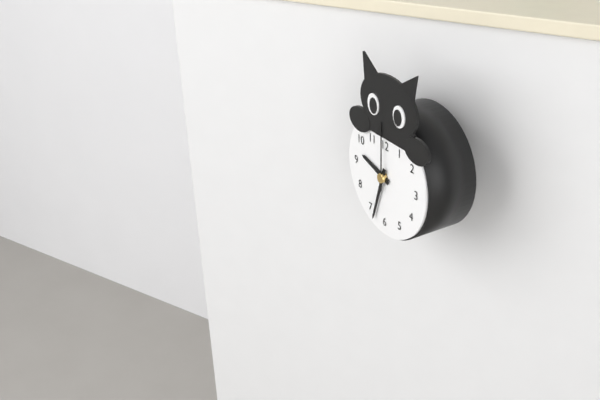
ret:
9:33:00
